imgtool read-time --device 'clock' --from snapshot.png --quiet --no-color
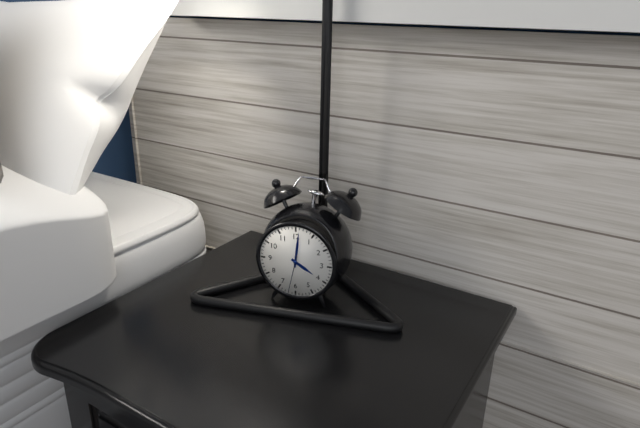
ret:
4:01
